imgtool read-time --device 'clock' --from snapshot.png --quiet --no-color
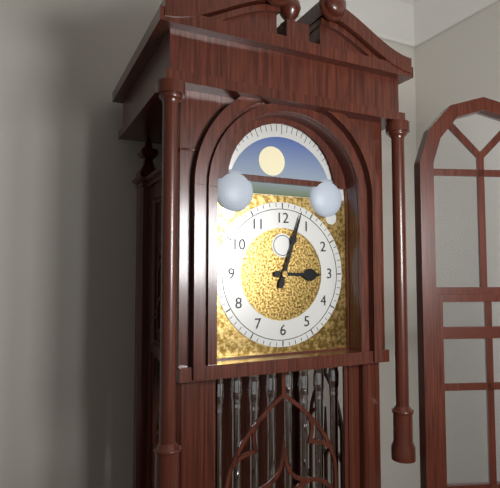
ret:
3:03
